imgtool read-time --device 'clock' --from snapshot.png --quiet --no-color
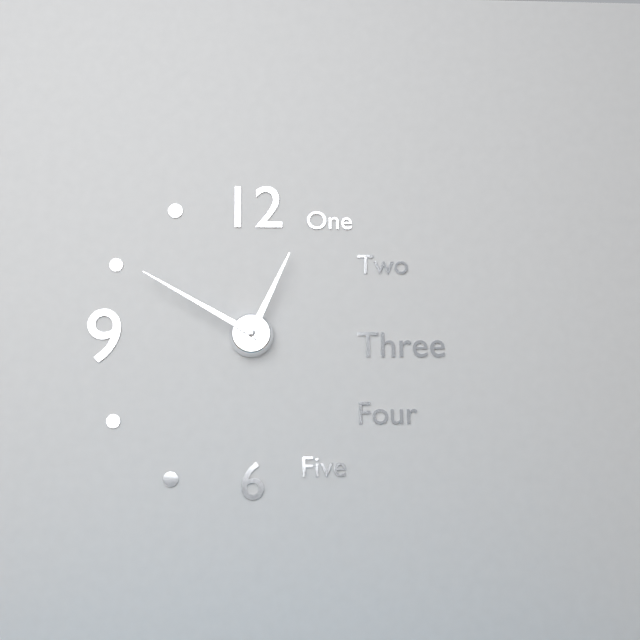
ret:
12:50
